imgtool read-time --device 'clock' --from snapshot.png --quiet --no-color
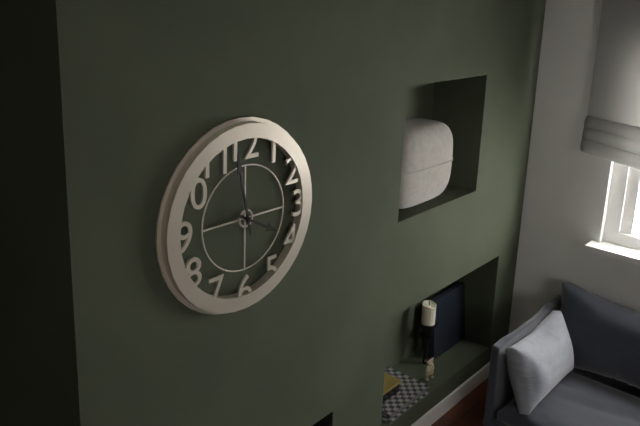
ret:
3:58
